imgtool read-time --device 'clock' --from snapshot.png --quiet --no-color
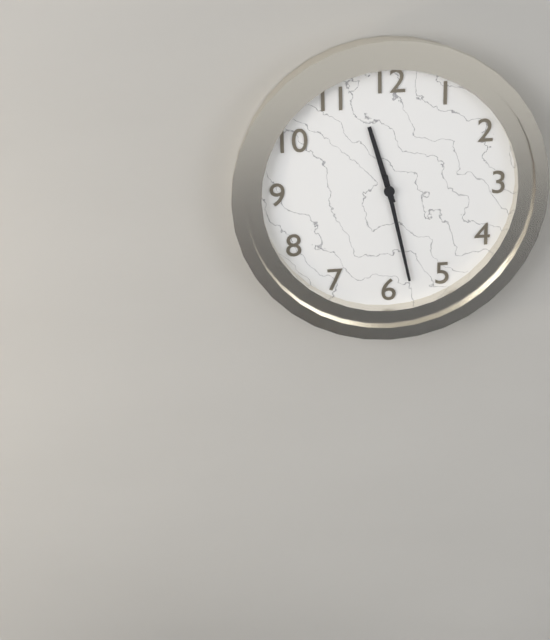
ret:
11:28
